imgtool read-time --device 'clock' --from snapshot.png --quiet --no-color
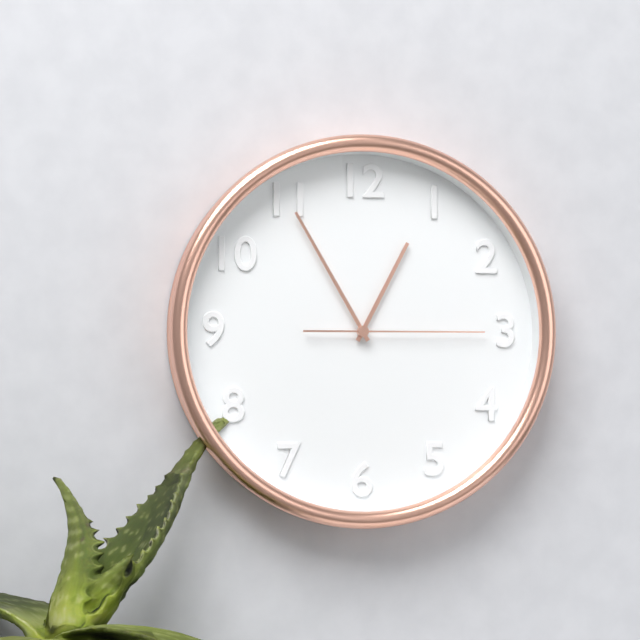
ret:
12:55:15
